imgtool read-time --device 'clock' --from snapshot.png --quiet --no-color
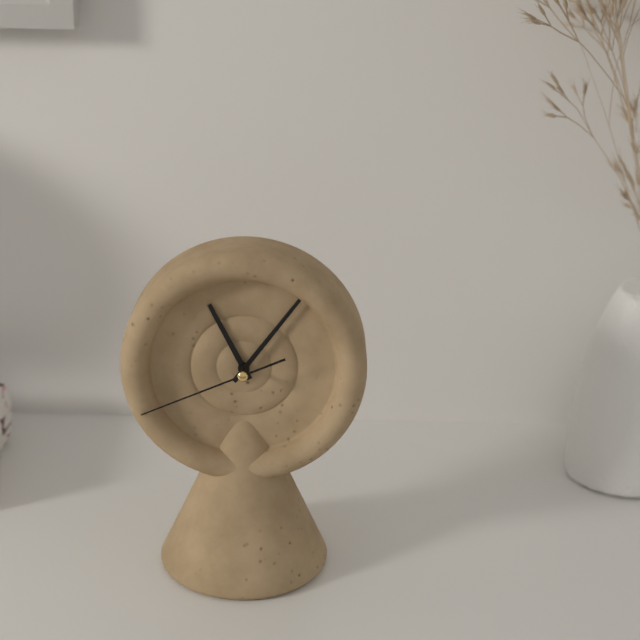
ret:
11:06:41
